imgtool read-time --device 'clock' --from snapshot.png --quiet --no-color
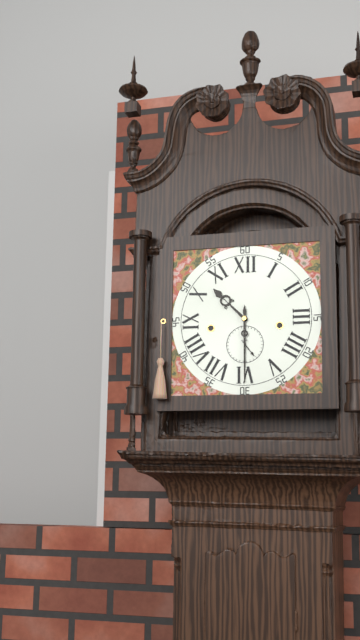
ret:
10:30
